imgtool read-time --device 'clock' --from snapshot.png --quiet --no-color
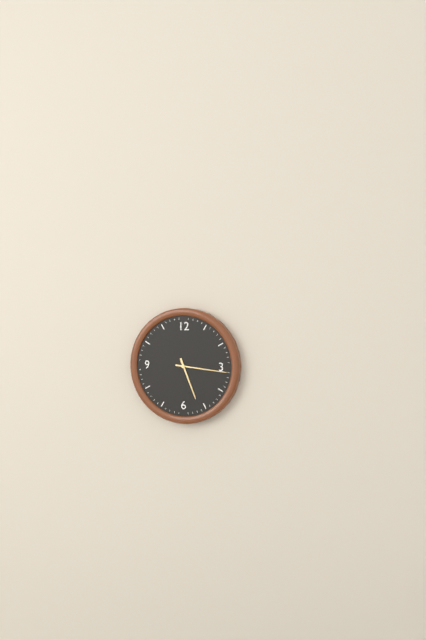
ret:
5:16
